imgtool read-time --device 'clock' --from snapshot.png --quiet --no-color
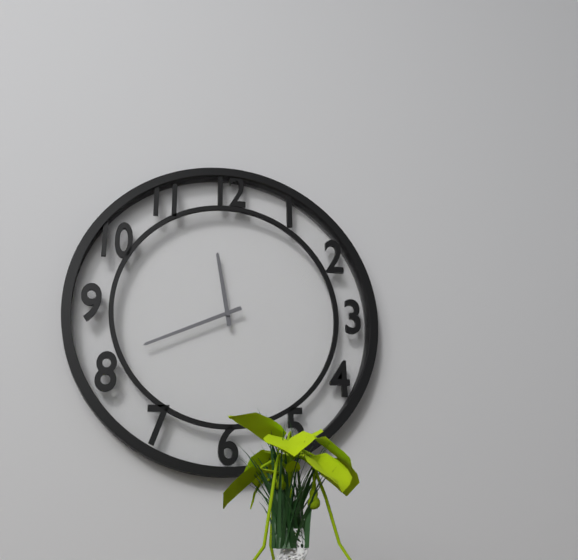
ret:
11:41
